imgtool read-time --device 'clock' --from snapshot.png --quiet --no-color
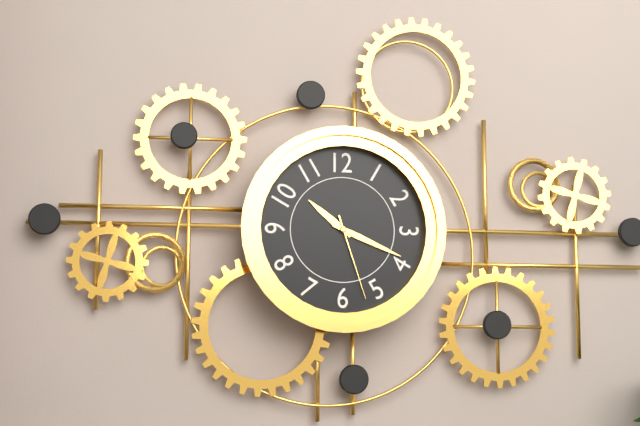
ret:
10:19:27
